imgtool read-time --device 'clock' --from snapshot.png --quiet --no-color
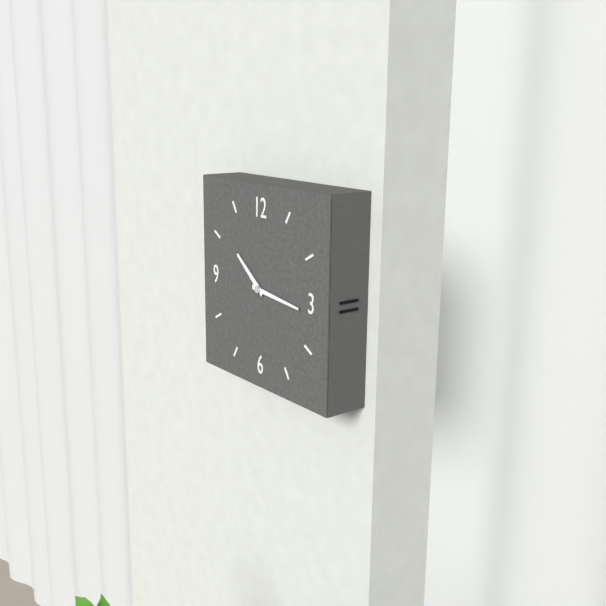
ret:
10:16
